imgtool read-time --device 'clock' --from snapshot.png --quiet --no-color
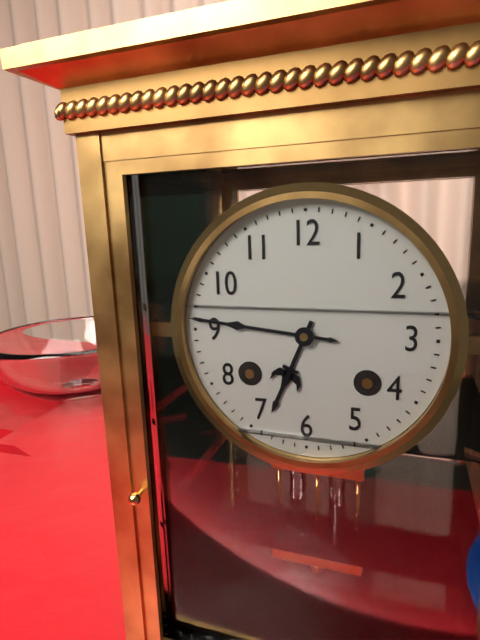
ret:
6:46
